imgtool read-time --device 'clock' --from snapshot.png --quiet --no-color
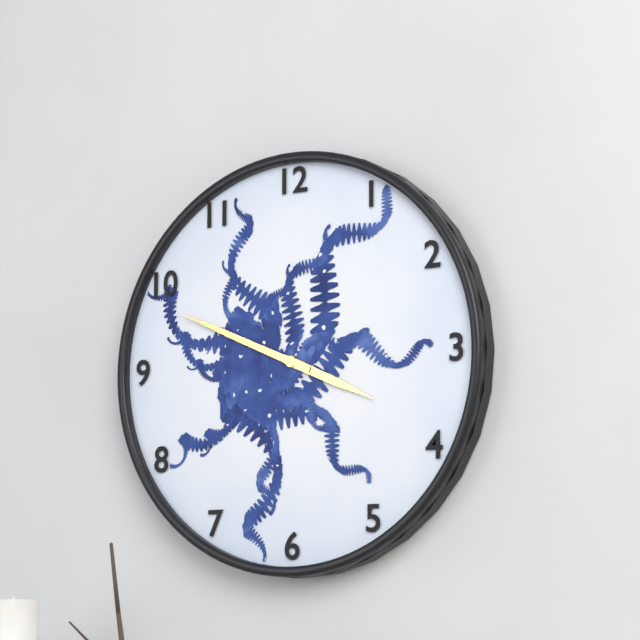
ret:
3:49
